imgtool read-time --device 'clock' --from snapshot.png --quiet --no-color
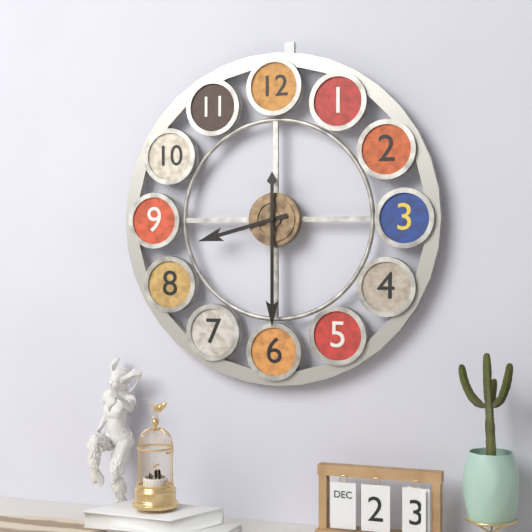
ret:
8:30
